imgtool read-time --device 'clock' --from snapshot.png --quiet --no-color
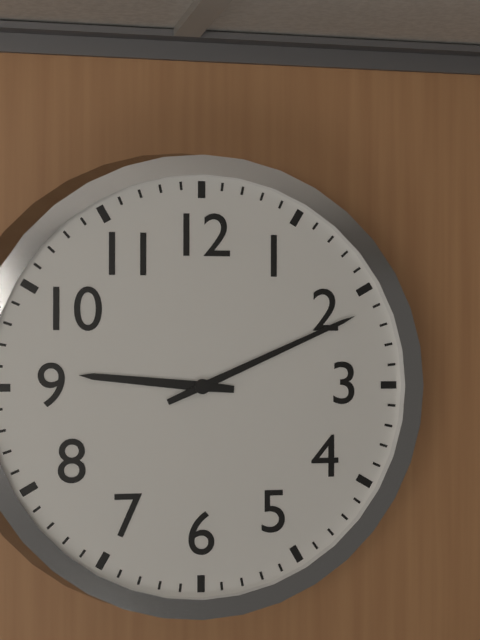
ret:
9:11
